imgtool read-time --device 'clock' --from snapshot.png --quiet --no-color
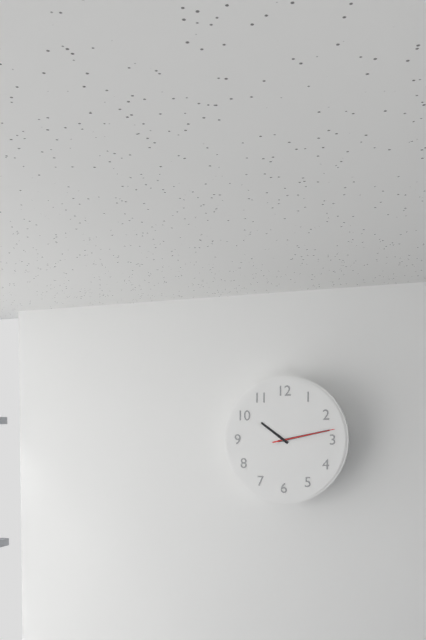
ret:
10:13:13
